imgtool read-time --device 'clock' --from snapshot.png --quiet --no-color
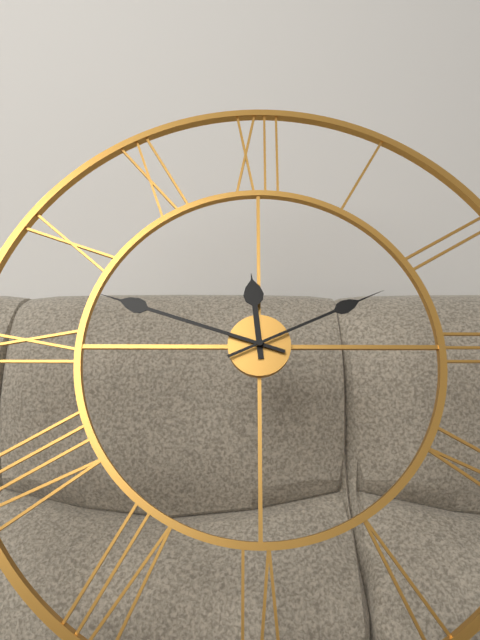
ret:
11:48:11
